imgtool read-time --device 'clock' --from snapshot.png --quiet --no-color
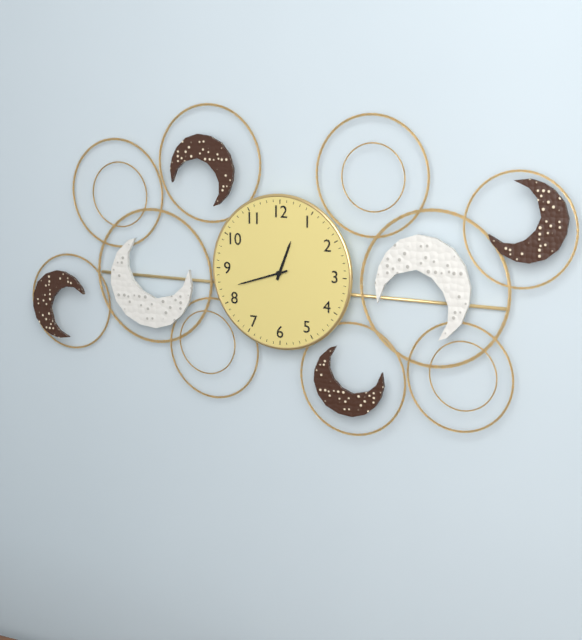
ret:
12:42
